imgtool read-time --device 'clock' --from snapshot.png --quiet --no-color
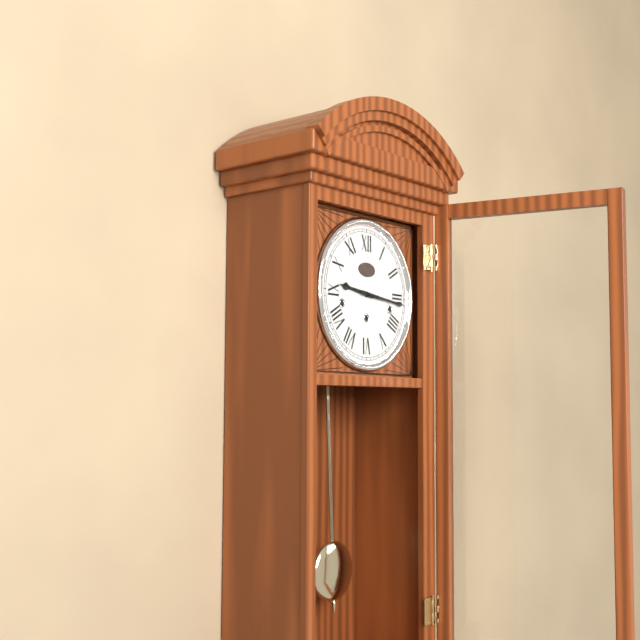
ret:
9:16
